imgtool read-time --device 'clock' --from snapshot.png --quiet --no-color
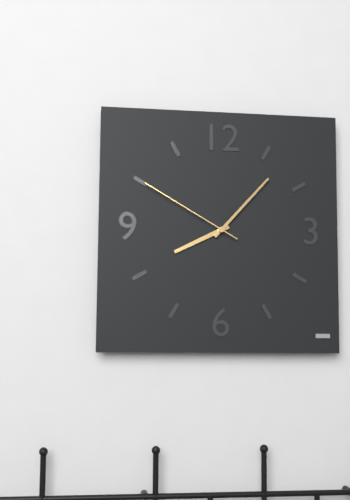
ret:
8:07:50
